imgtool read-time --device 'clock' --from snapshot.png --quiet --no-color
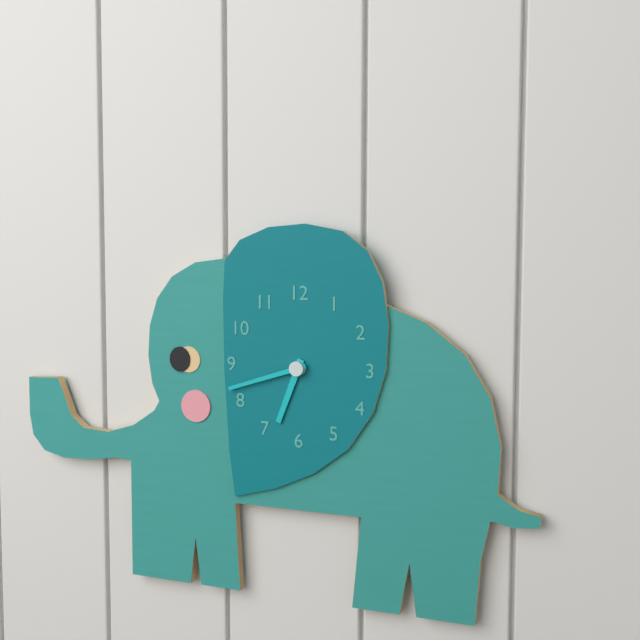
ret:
6:42
